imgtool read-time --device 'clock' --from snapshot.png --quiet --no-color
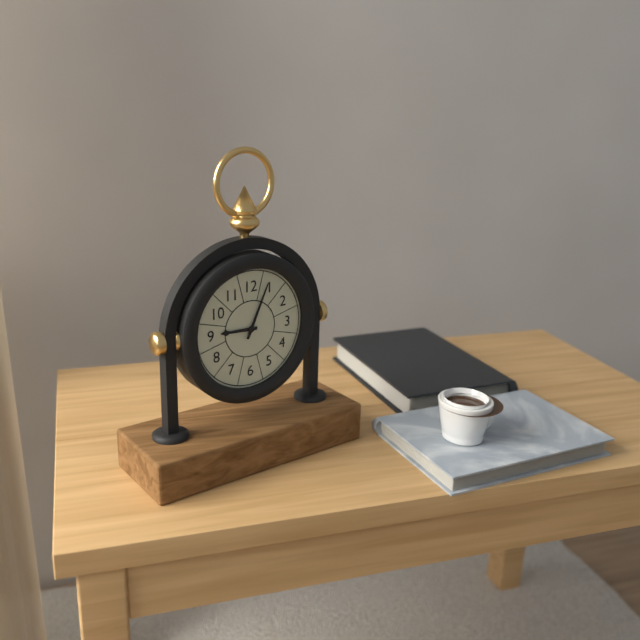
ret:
9:04
